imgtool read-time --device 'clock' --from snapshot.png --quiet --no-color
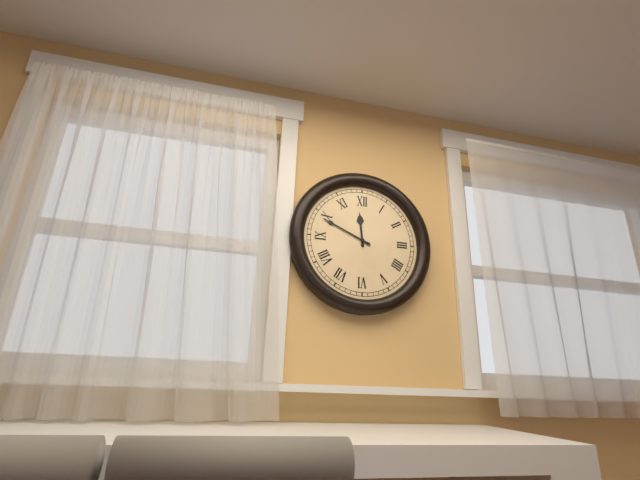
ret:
11:49
